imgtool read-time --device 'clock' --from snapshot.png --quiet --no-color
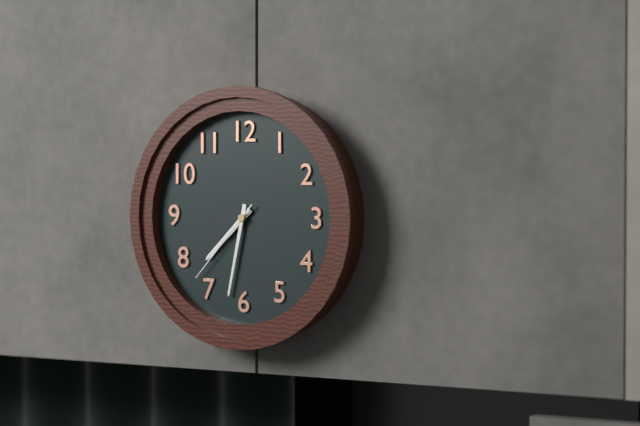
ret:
7:32:37
